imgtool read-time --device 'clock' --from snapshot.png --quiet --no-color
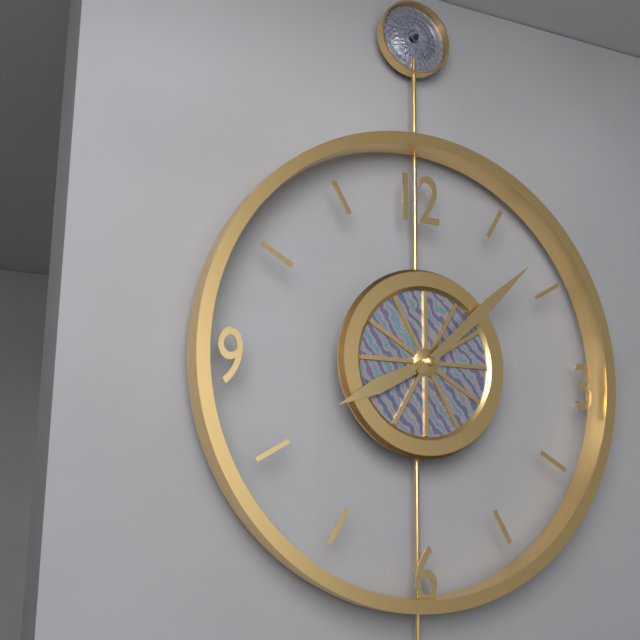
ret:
8:08
